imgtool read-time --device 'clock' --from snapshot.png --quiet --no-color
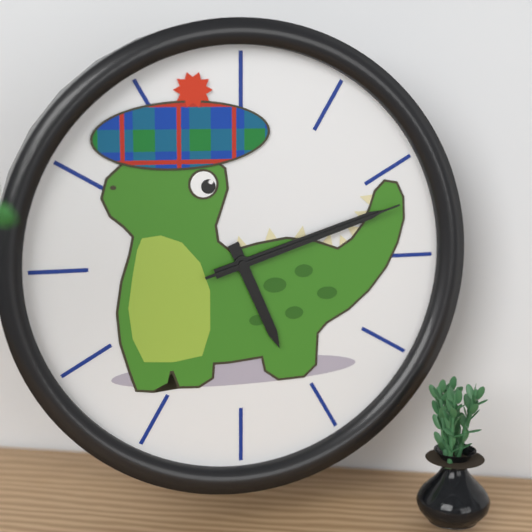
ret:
5:12:12
